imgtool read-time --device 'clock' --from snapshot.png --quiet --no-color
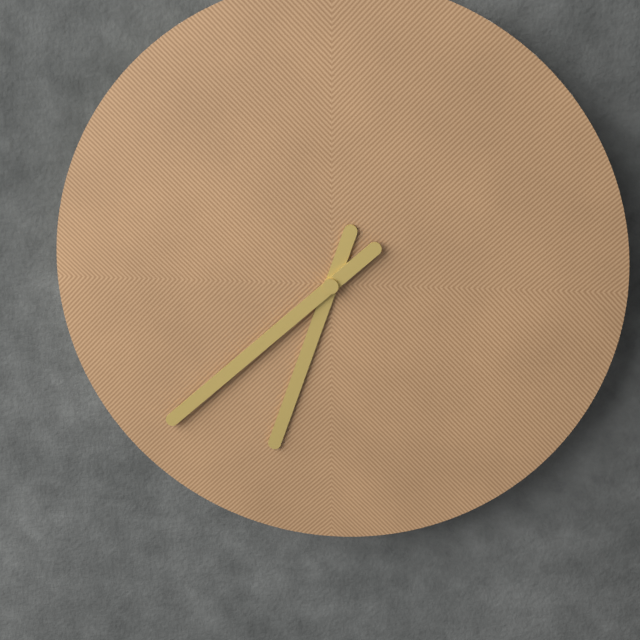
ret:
6:38
